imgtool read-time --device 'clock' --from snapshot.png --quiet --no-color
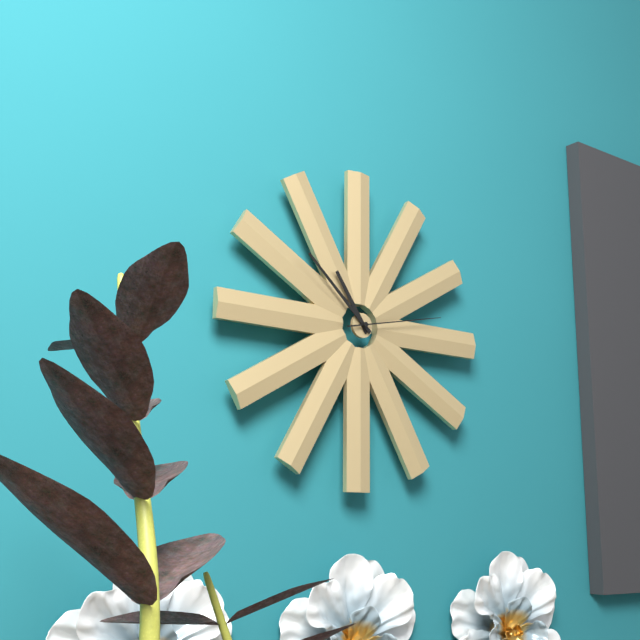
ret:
10:52:13
